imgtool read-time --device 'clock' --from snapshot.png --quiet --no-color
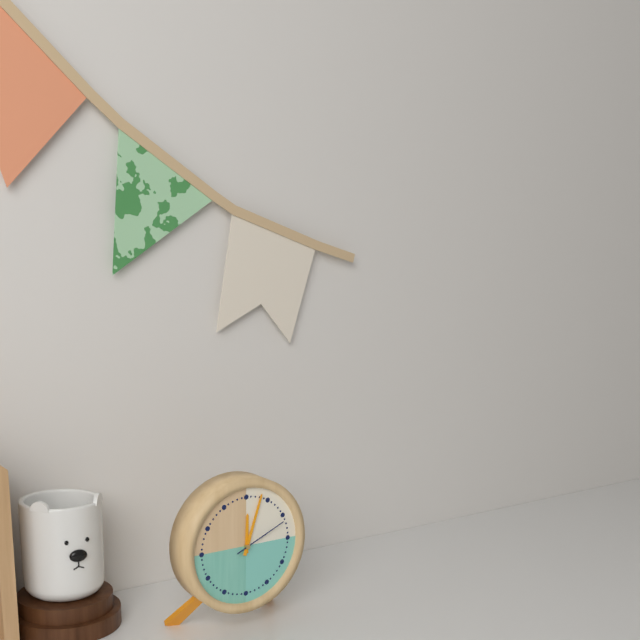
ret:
12:03:11
